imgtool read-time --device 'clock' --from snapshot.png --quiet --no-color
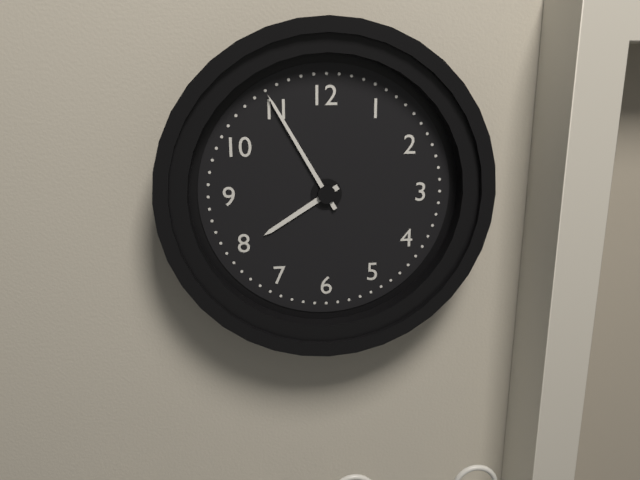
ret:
7:55
